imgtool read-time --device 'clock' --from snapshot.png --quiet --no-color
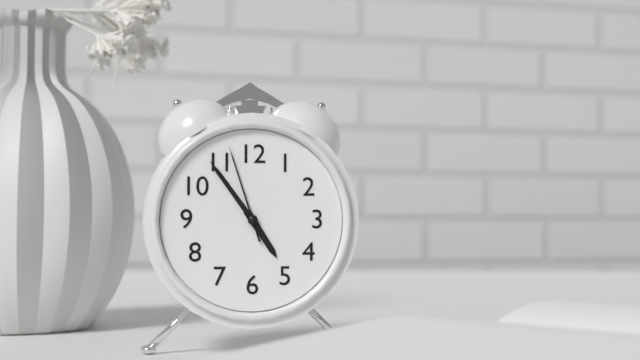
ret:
4:54:57
